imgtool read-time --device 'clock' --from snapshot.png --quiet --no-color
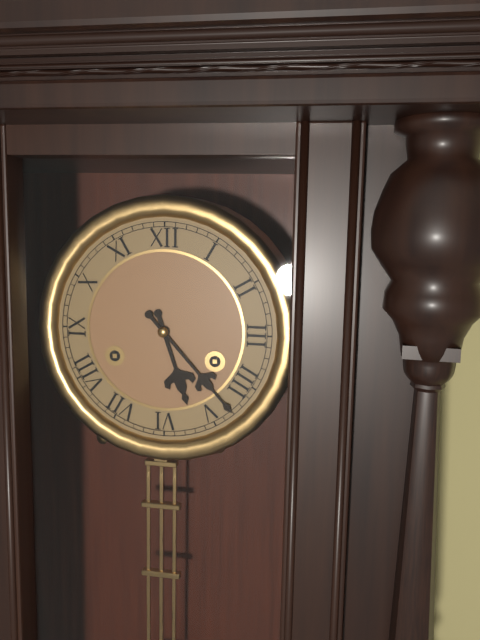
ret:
5:23
